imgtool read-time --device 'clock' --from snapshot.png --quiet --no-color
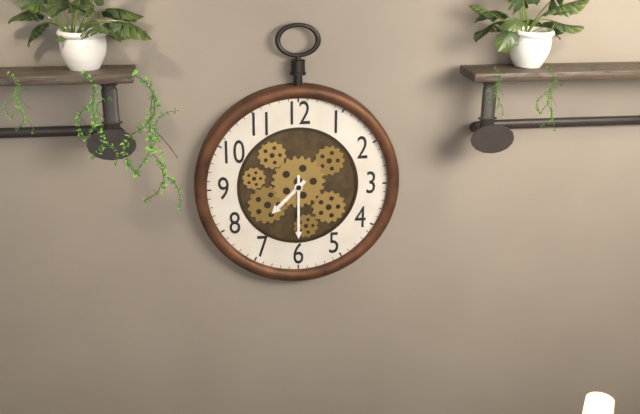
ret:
7:30
